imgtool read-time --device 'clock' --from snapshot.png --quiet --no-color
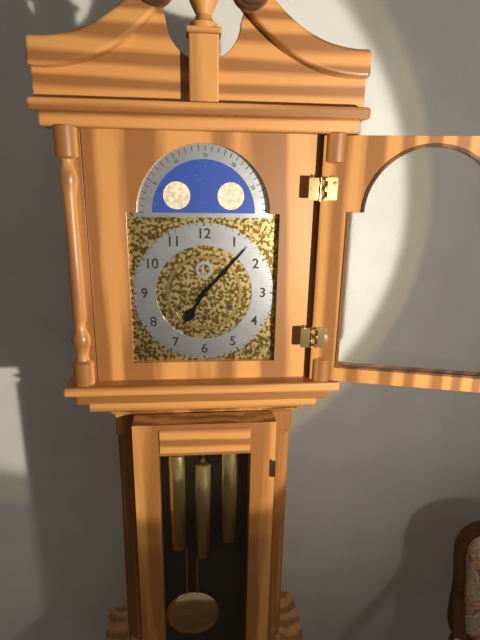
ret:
7:07
